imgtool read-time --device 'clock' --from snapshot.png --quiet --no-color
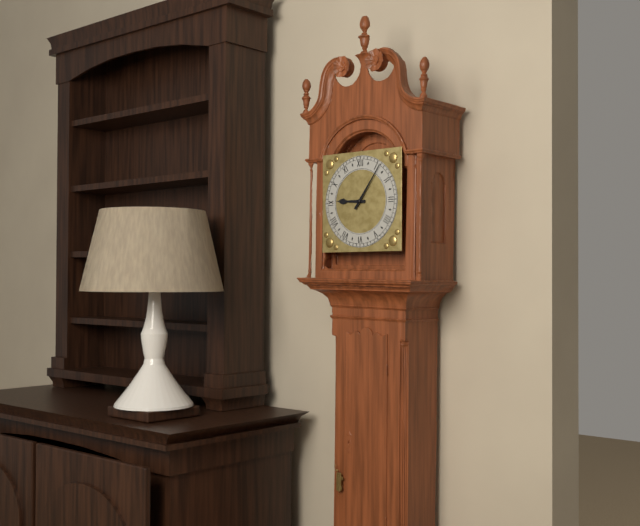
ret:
9:06
